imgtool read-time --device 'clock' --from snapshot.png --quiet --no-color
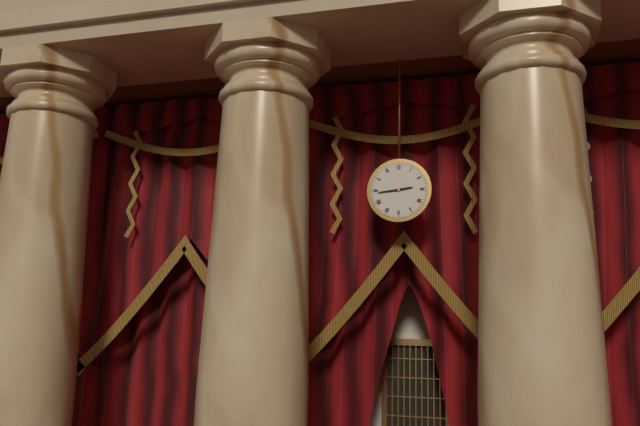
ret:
2:44
